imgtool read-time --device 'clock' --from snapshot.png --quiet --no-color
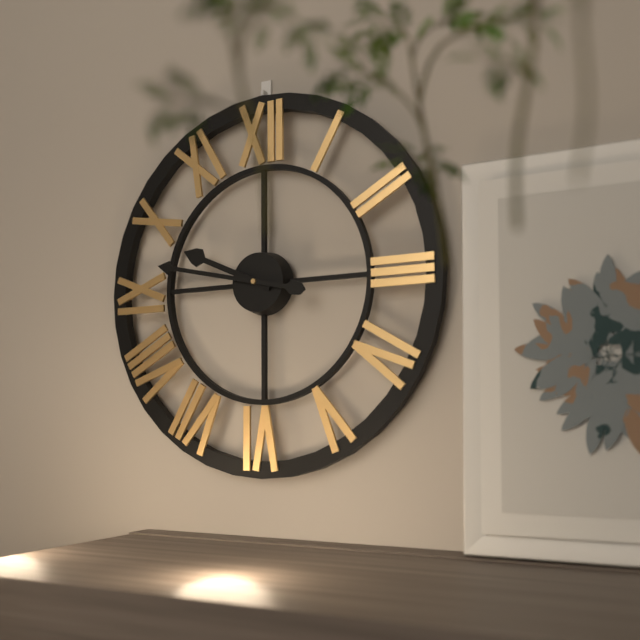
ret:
9:47
